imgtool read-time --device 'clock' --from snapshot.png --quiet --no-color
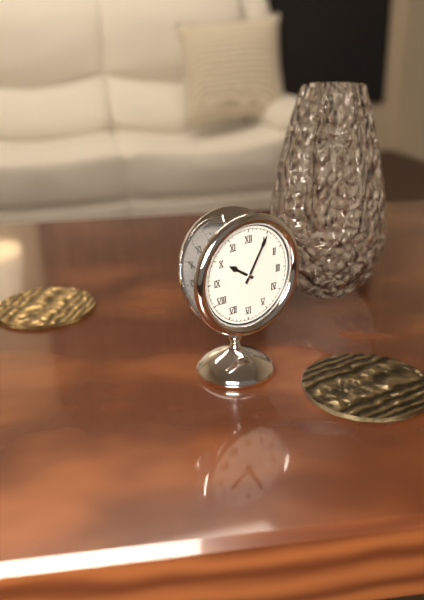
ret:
10:05
